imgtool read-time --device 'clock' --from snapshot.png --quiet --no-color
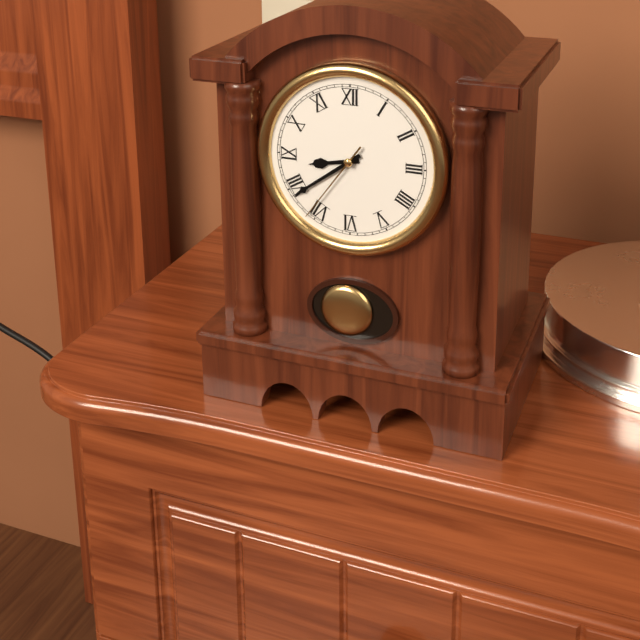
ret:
8:39:36
